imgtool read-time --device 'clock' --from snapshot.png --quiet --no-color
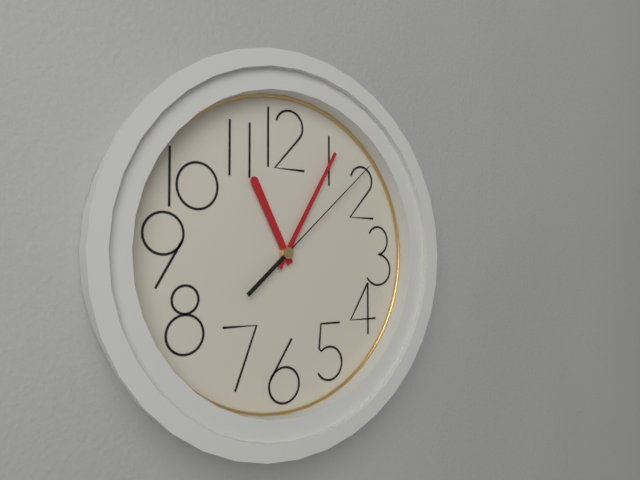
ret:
11:05:08
